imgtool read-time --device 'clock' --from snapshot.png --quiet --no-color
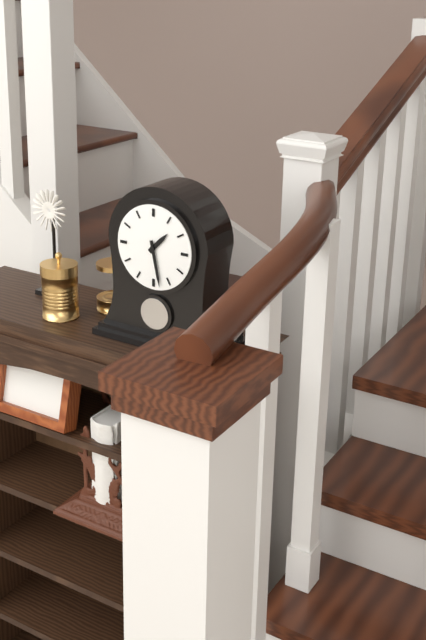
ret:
1:28
